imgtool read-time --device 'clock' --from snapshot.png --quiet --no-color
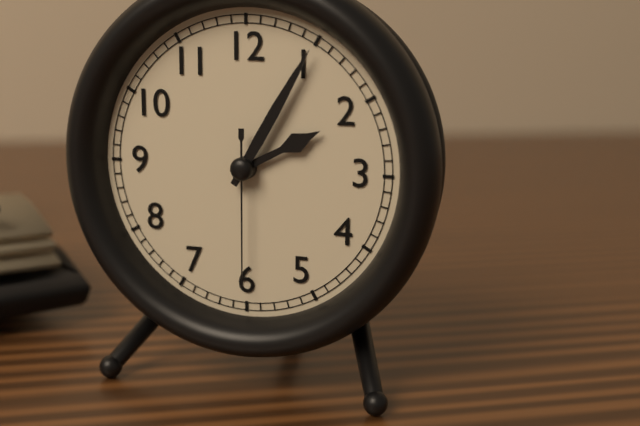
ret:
2:05:30
